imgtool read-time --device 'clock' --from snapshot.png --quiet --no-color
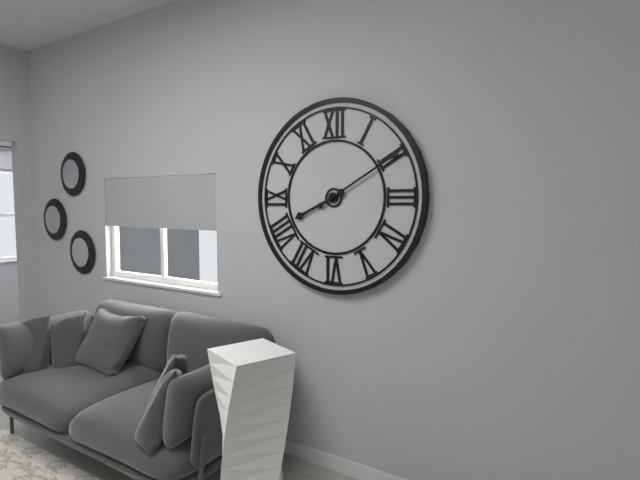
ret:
8:10
